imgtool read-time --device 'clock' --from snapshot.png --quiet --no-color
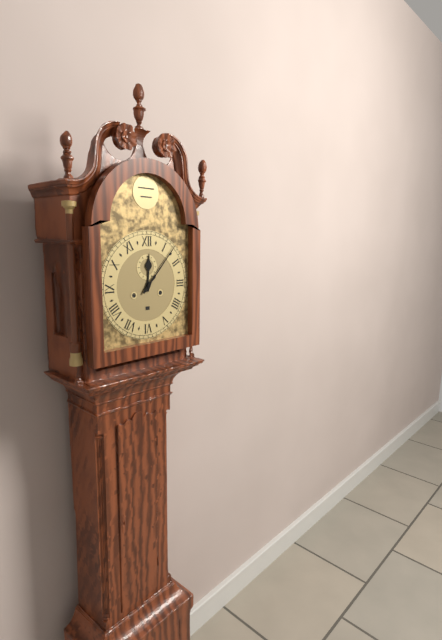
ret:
12:07
